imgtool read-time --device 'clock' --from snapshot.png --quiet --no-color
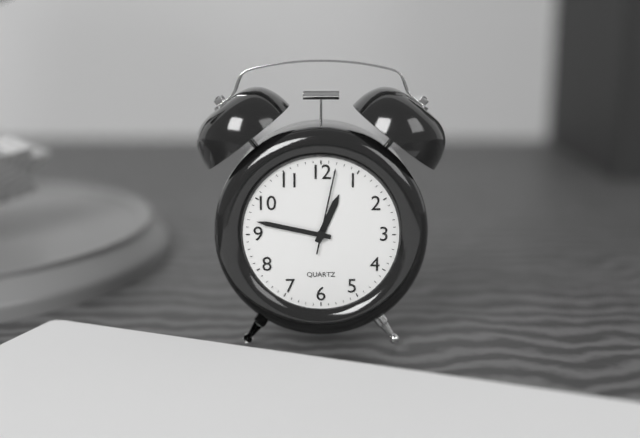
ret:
12:47:02
